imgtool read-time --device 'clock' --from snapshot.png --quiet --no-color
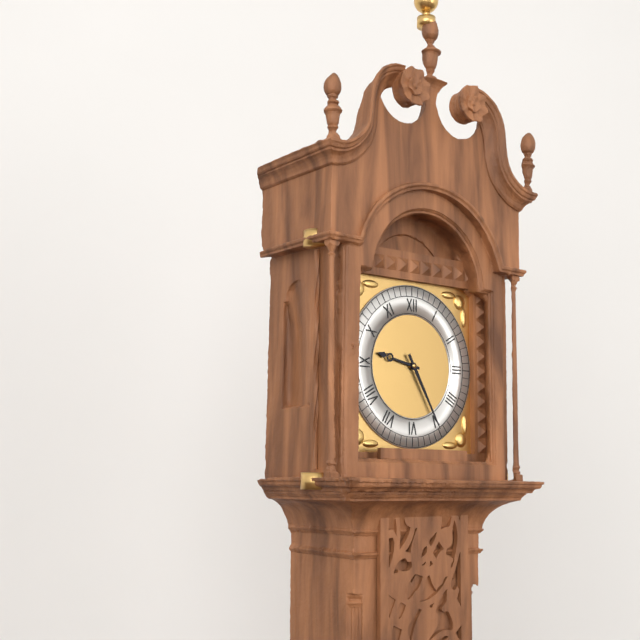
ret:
9:25
